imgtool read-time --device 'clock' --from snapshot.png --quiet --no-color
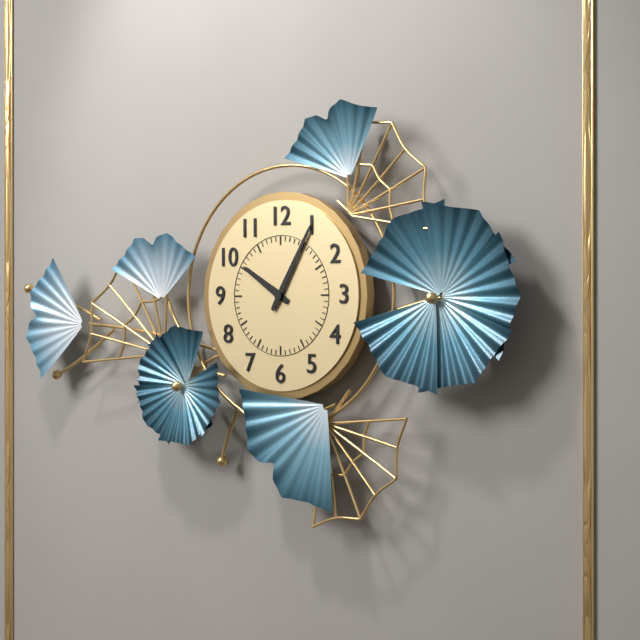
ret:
10:05
